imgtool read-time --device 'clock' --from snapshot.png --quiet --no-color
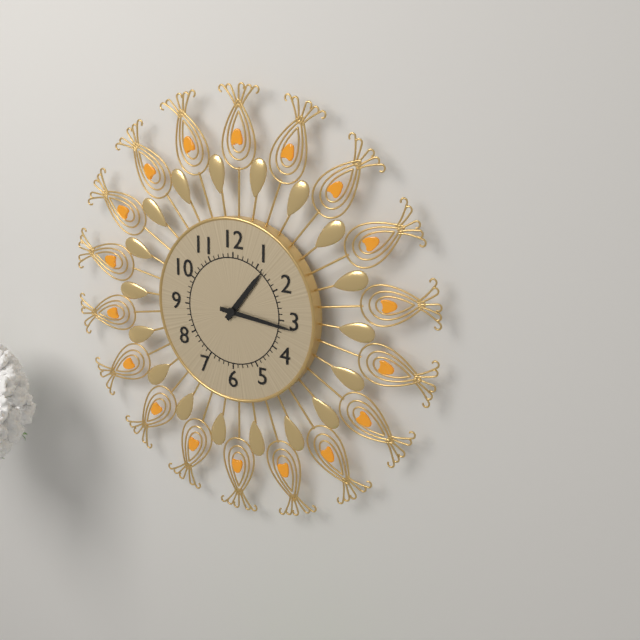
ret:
1:16
